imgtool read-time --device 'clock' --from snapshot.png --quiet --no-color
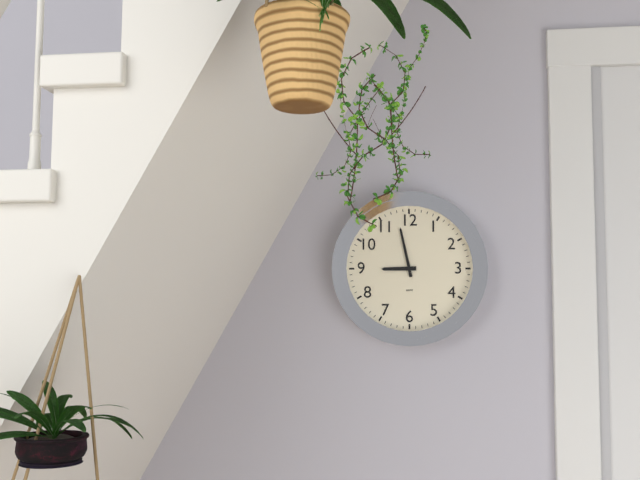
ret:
8:58
